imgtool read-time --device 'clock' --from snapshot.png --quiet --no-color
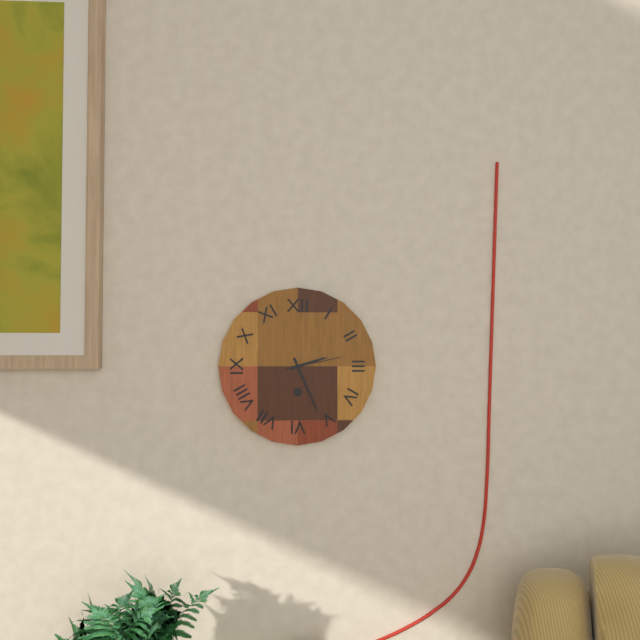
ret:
2:26:13
